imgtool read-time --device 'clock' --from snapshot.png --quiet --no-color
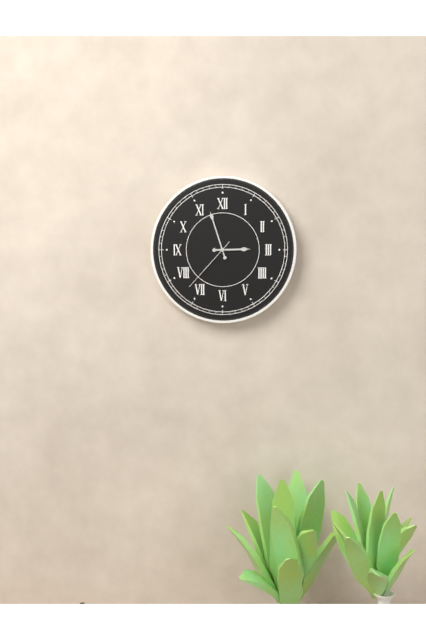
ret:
2:57:37
